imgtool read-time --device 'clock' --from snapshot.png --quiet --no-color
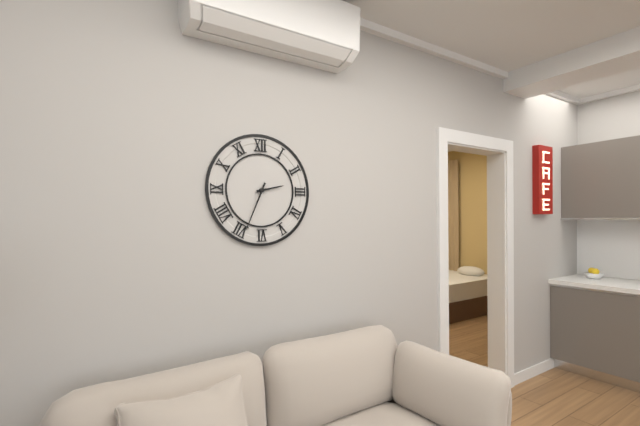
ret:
2:34
